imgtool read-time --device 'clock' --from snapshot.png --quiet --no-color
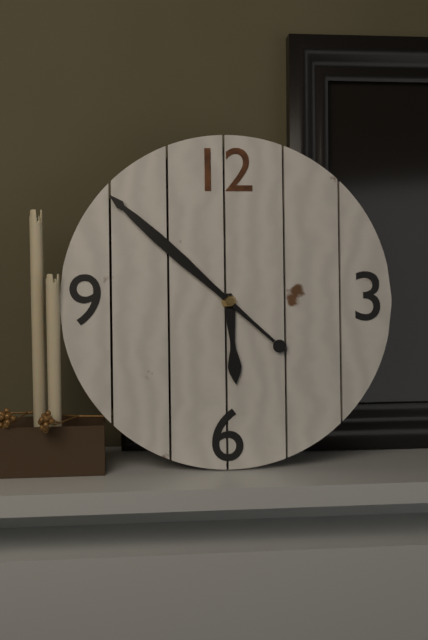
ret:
5:52
